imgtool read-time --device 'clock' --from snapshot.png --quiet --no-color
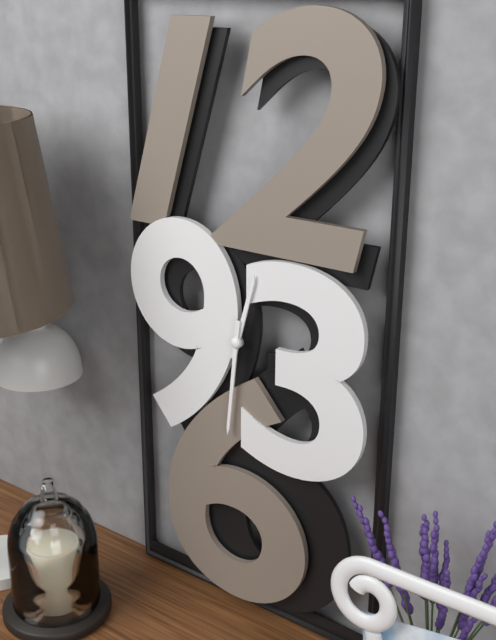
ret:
12:31
